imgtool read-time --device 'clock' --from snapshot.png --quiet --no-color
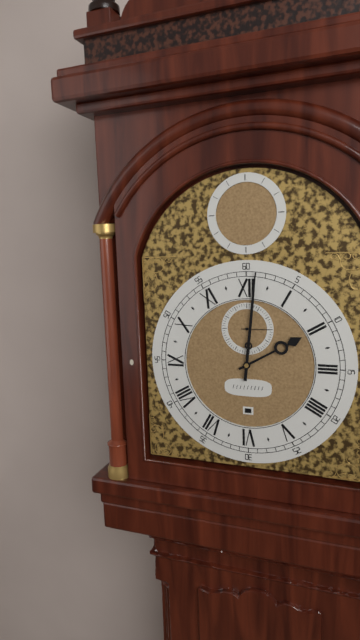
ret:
2:01
